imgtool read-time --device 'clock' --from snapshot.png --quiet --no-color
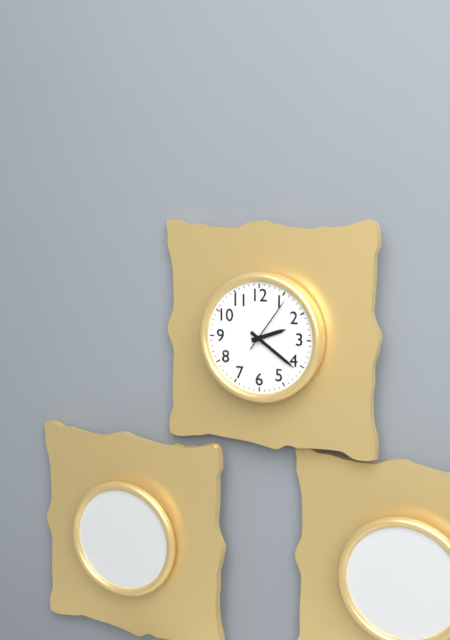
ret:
2:21:06
